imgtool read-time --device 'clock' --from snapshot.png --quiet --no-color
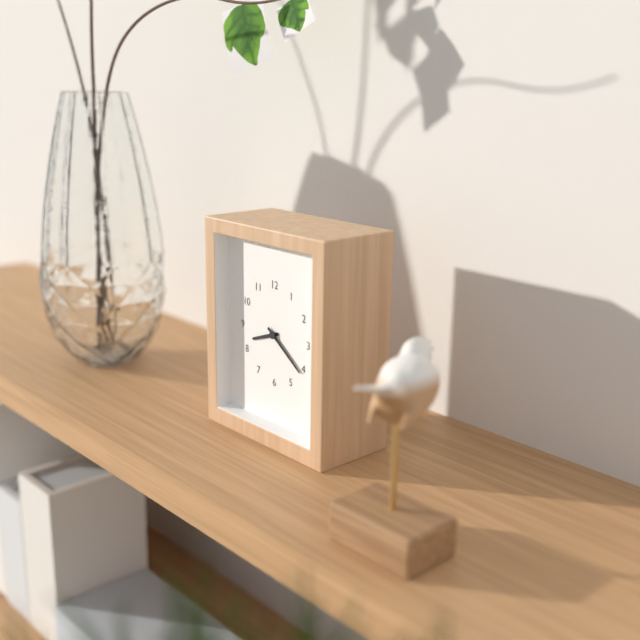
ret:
8:21
